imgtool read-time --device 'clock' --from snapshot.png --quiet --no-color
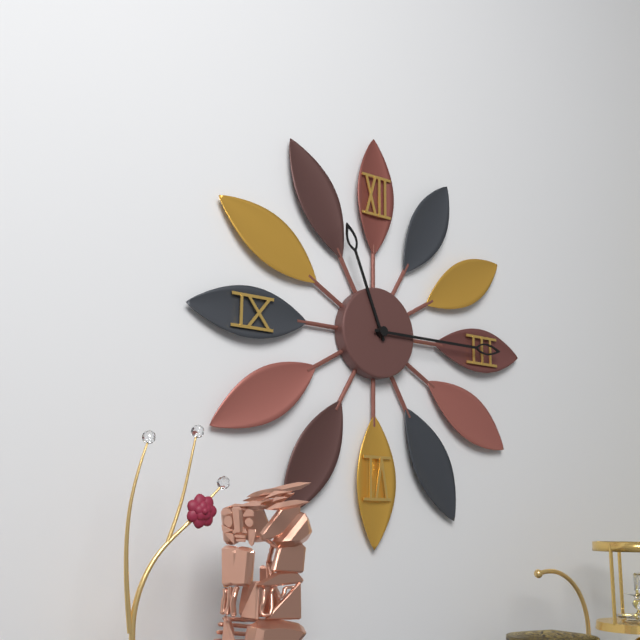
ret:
11:15
